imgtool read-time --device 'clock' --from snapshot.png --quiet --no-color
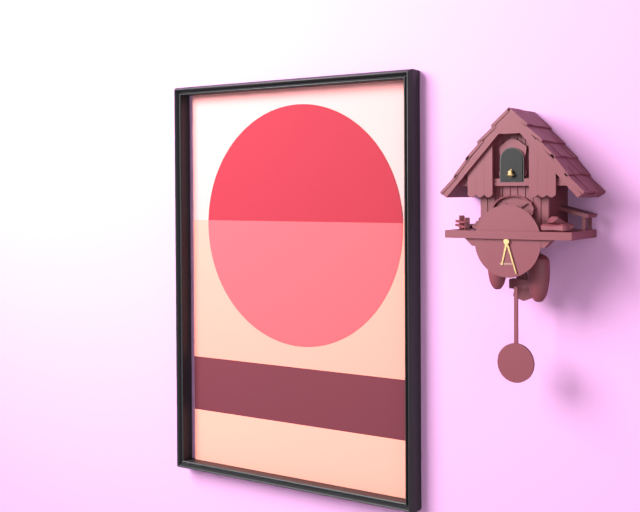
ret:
6:27
